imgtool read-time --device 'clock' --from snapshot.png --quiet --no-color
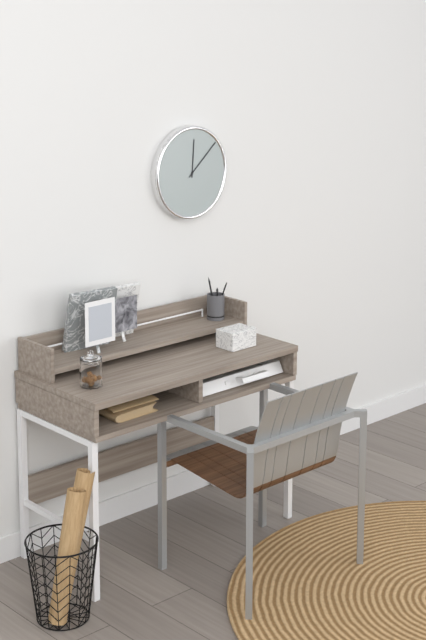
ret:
12:08
